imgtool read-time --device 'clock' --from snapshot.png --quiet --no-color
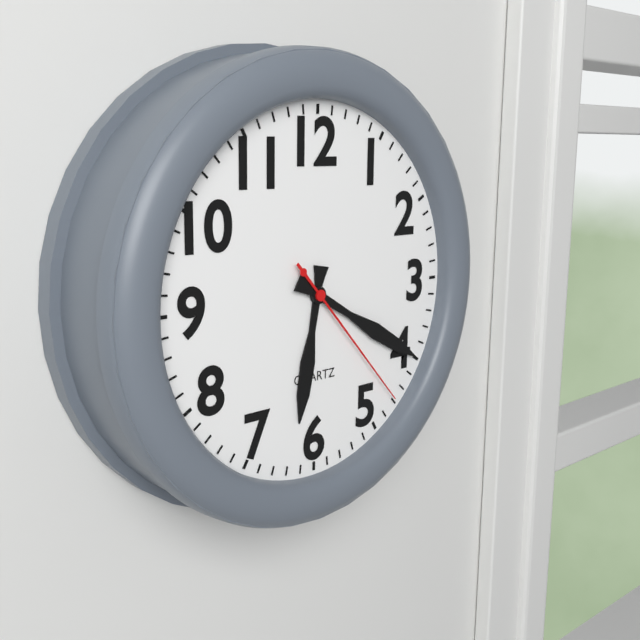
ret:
6:20:23
